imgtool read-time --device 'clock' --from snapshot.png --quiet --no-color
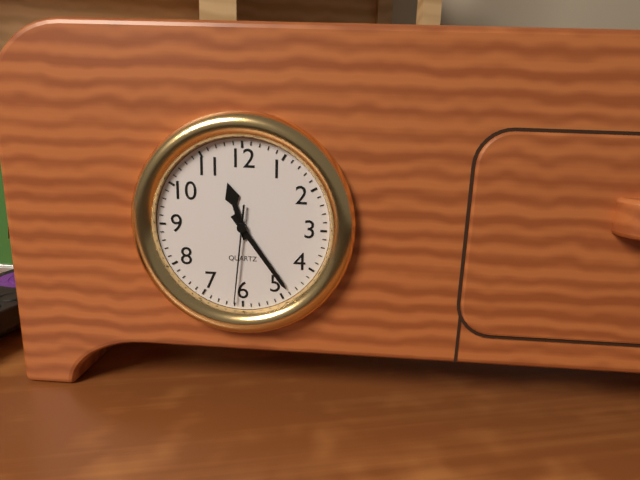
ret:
11:24:31
